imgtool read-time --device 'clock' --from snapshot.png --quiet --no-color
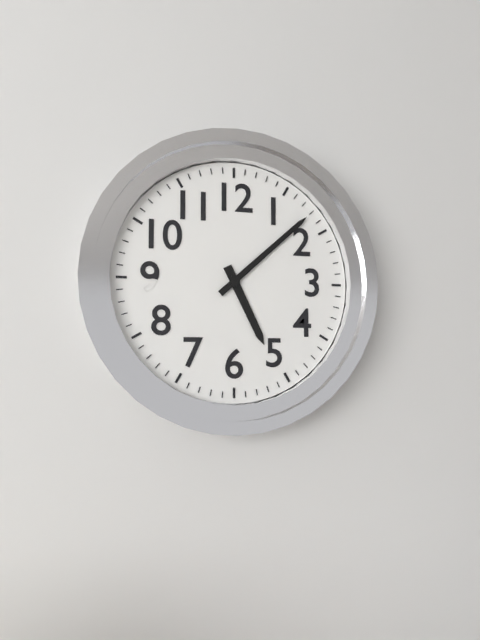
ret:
5:08
